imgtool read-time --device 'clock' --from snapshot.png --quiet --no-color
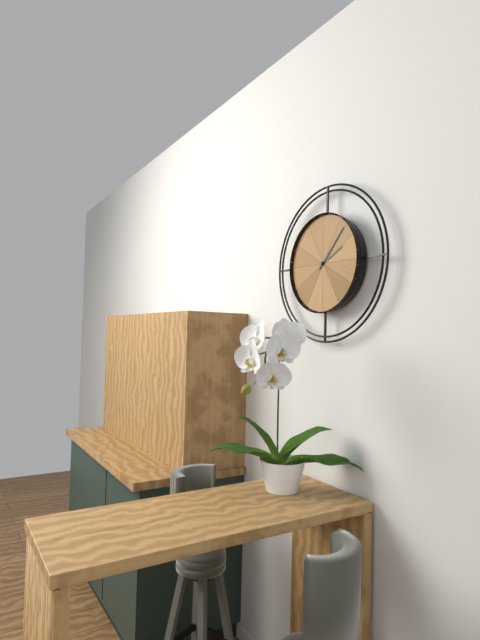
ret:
2:07
